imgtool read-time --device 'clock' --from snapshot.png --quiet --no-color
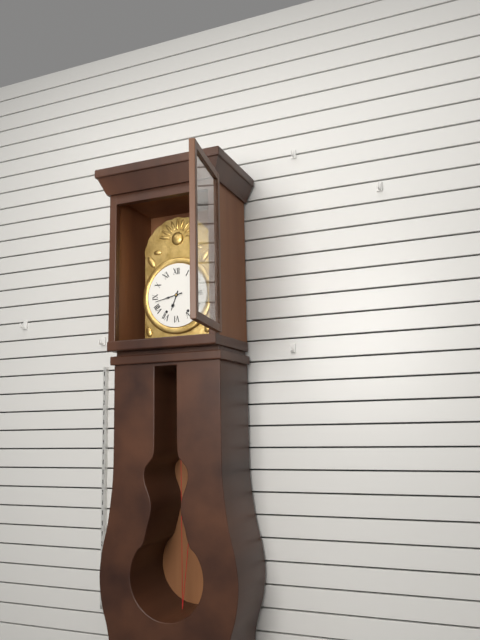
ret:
6:43
